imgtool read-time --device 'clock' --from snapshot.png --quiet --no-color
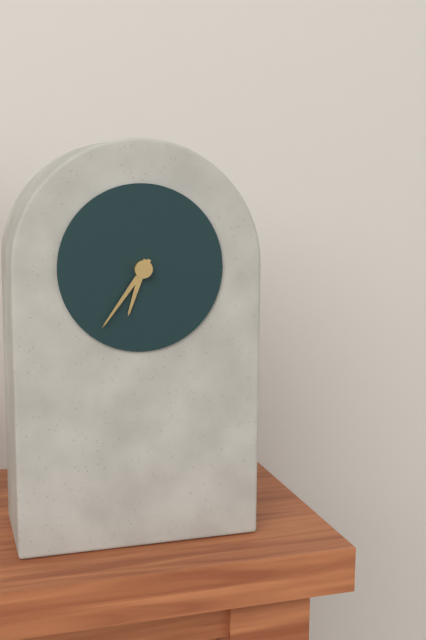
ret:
6:36
